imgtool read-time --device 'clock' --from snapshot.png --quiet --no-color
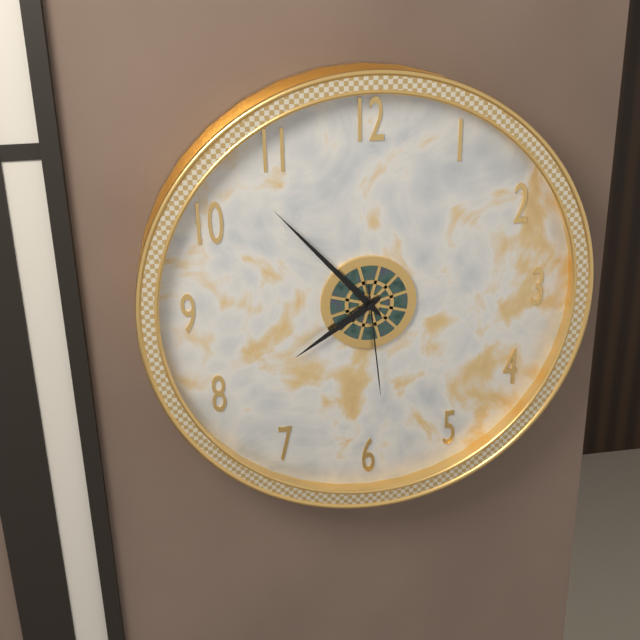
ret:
7:53:29
